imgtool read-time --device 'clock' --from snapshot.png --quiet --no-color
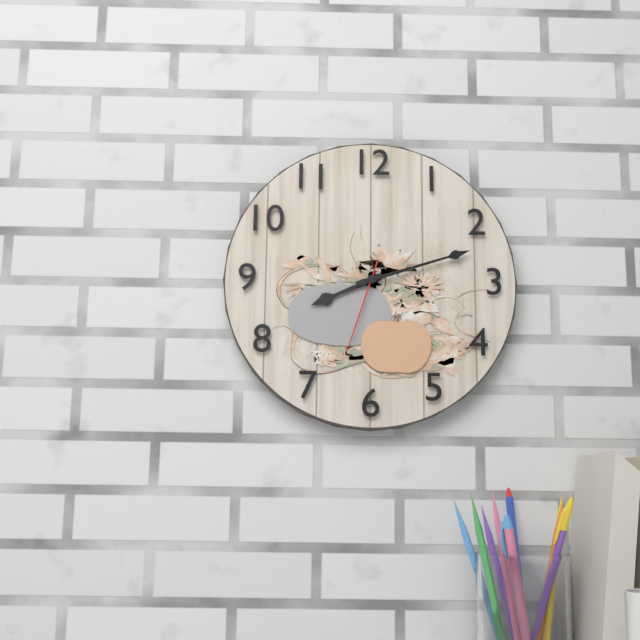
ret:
8:12:33
